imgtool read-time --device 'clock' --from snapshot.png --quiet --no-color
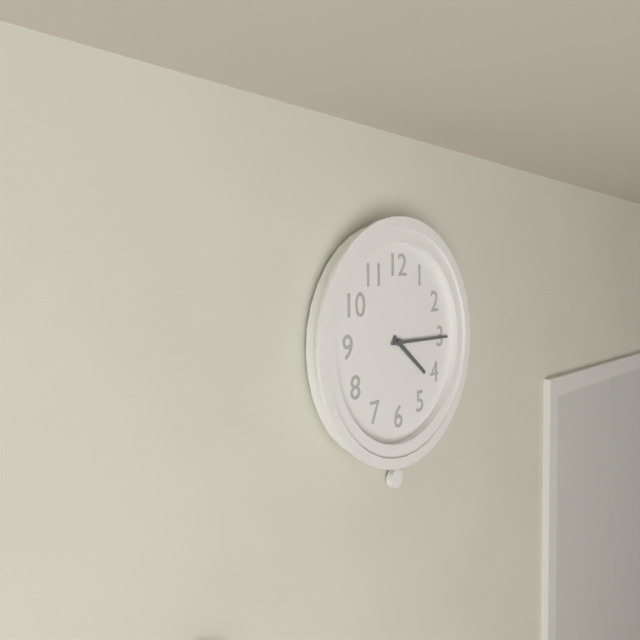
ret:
4:15
